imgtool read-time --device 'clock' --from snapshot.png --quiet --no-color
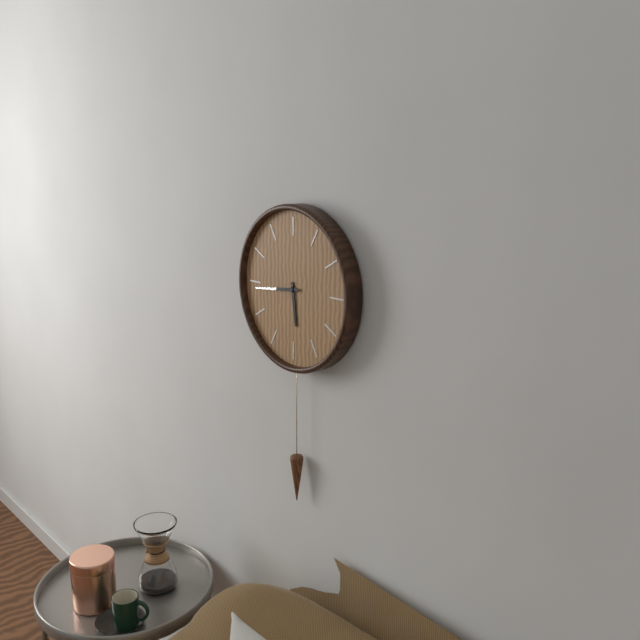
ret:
5:44
